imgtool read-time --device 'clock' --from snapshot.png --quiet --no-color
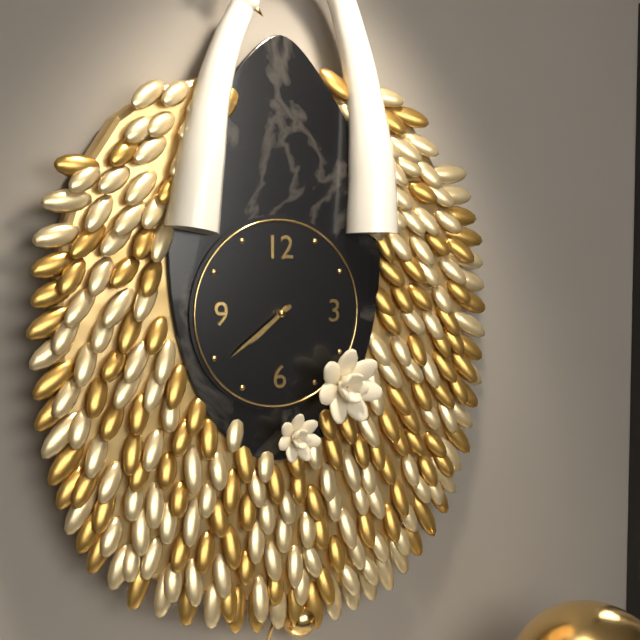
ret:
7:39
